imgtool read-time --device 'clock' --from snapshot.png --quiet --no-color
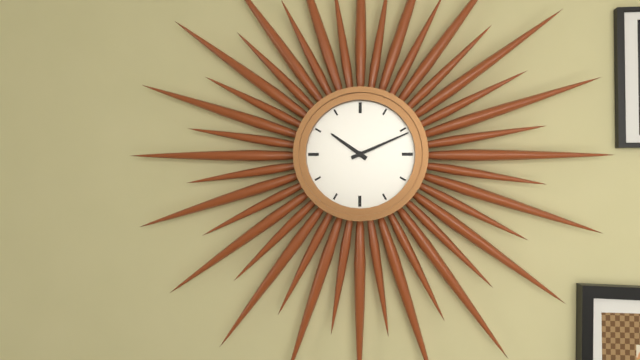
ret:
10:11
